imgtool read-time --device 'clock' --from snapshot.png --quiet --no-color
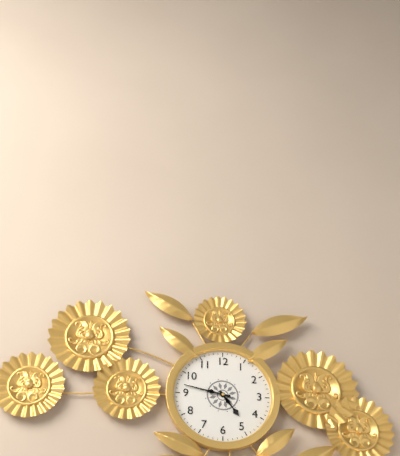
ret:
4:47
